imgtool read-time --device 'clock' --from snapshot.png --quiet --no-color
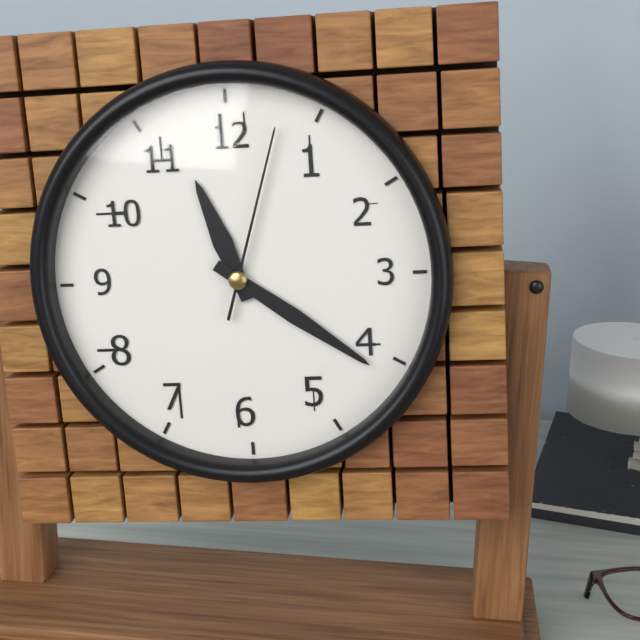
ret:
11:21:03
